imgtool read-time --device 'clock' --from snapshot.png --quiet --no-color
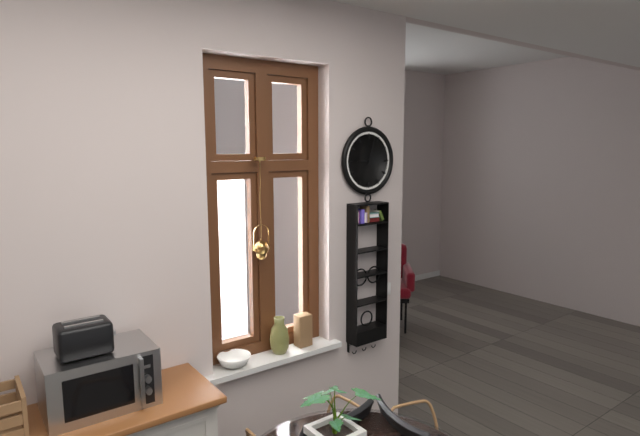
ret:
9:03
